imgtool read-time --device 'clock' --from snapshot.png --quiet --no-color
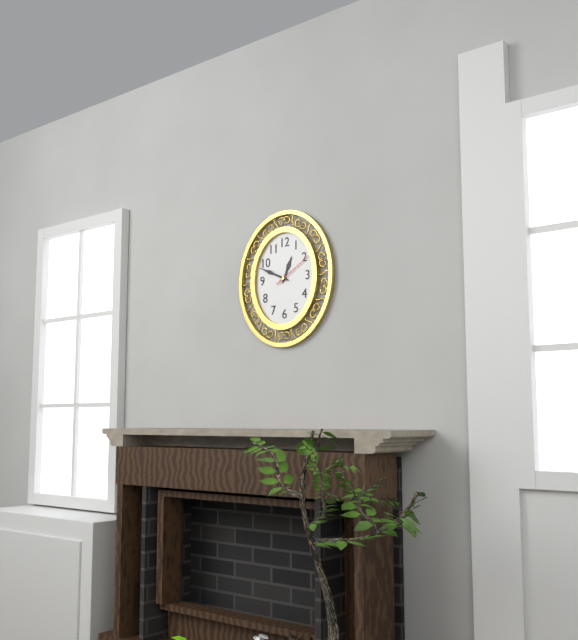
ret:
12:49
